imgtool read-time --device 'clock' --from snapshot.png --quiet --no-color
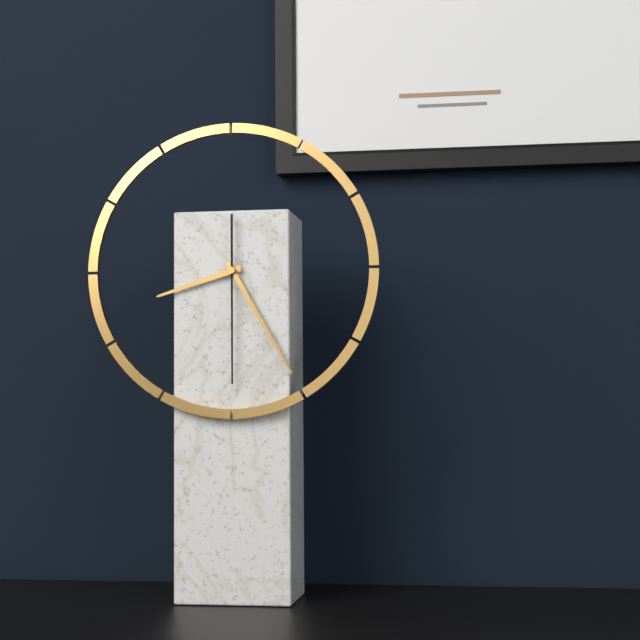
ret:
8:25:30
